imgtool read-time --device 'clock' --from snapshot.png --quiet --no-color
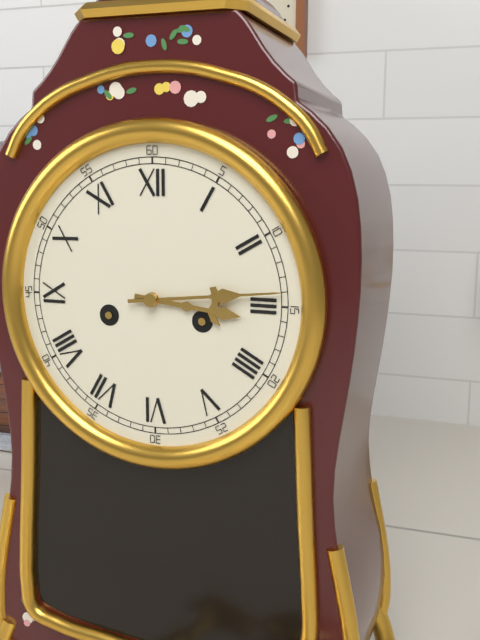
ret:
3:14
